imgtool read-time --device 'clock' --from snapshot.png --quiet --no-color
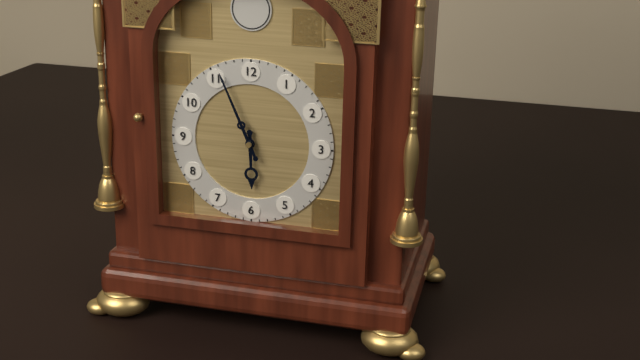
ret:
5:56
